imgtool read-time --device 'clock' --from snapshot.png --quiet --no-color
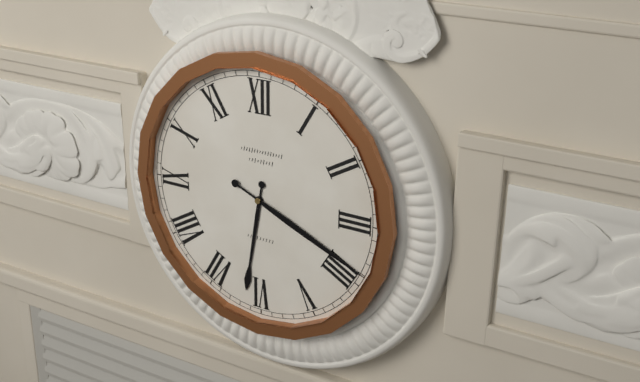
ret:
6:19
